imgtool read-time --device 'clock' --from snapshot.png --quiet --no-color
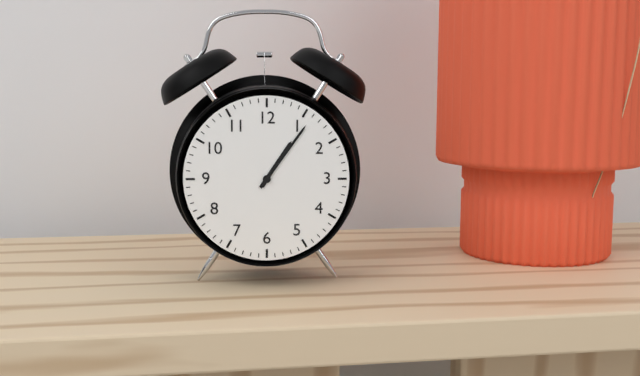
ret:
1:06
